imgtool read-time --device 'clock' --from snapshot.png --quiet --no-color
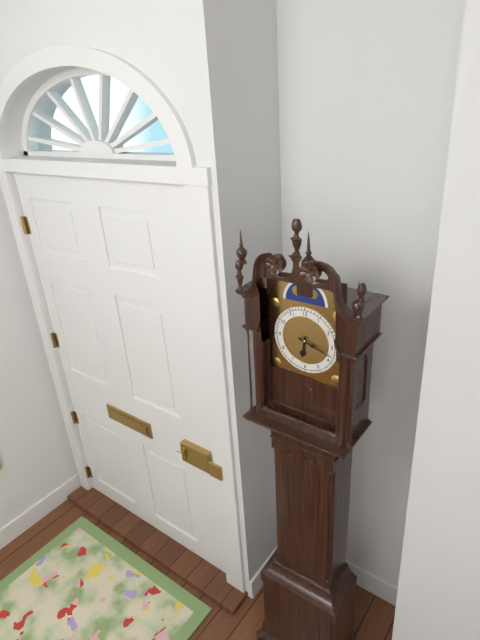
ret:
6:18
